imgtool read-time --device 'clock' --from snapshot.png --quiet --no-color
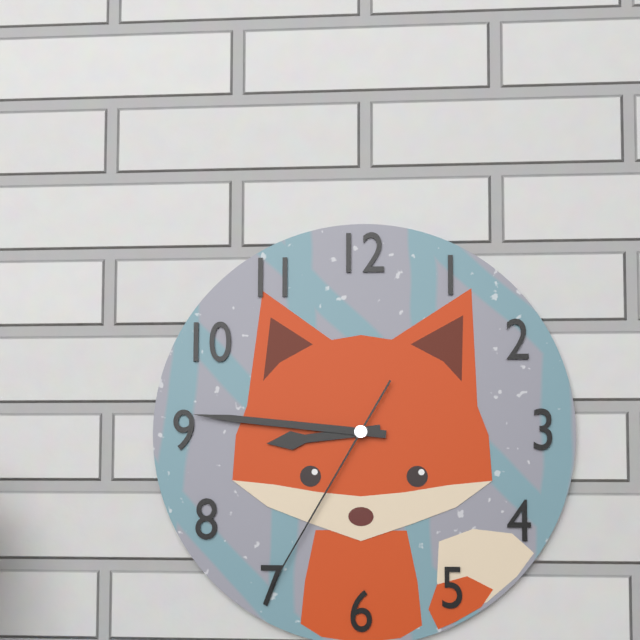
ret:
8:46:35
